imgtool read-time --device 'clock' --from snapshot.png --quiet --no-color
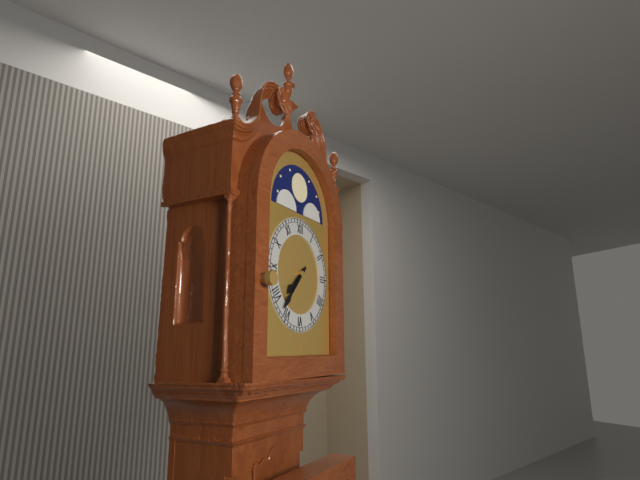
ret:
7:37
